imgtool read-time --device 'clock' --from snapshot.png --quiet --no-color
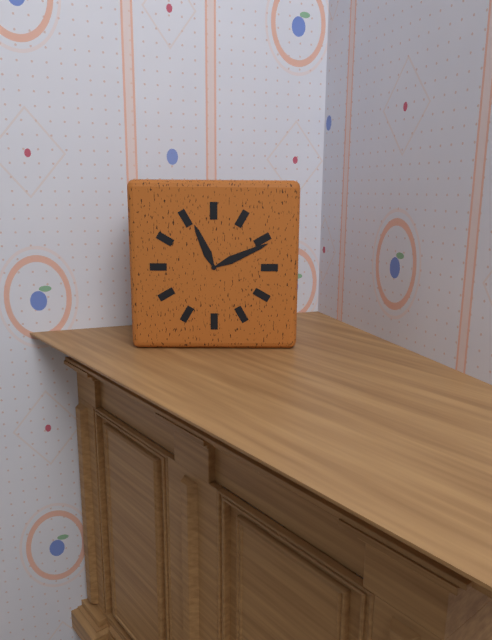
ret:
11:11
